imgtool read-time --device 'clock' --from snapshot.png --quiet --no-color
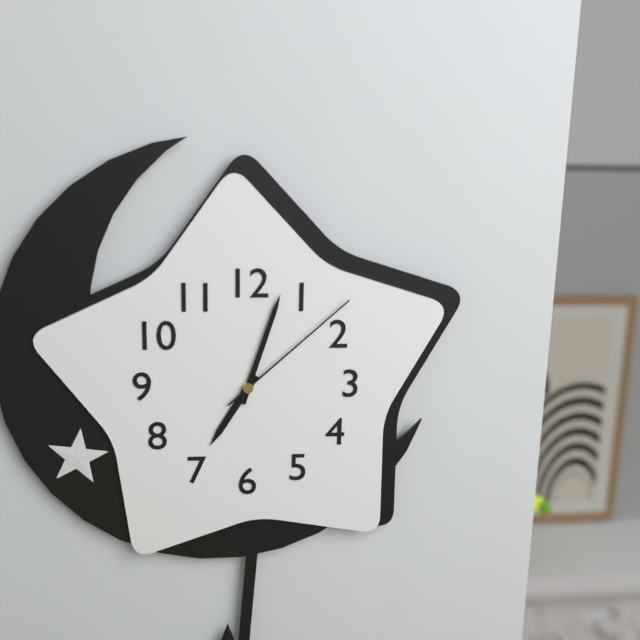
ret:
7:03:08
